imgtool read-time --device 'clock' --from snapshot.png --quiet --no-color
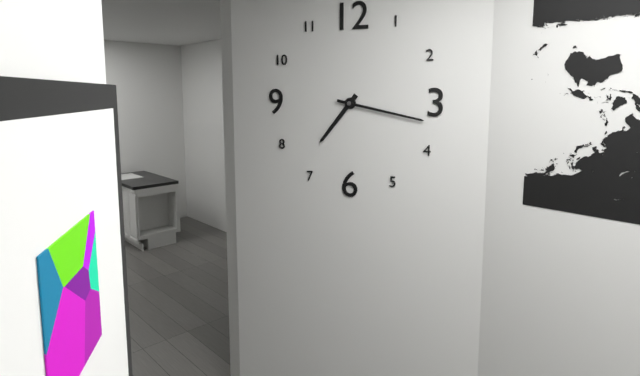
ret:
7:17
